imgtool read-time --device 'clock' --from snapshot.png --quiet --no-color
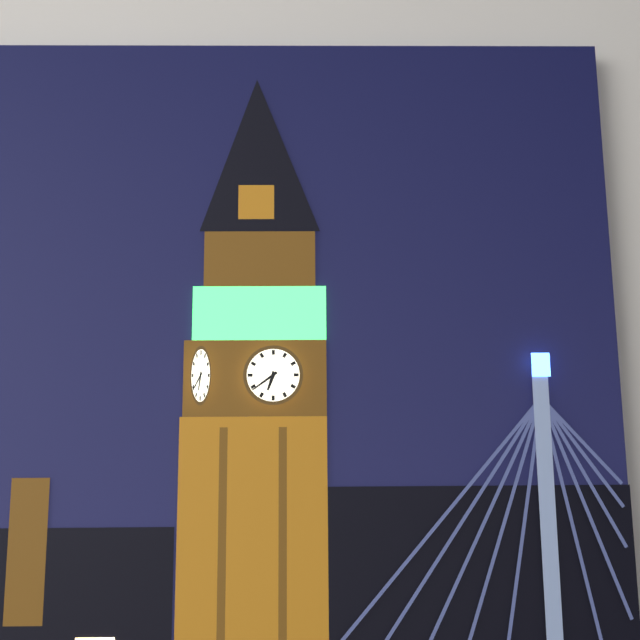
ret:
6:39
